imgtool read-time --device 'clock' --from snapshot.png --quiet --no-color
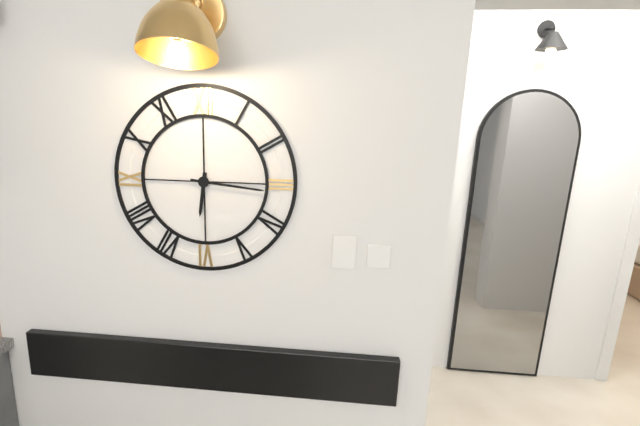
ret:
6:16
